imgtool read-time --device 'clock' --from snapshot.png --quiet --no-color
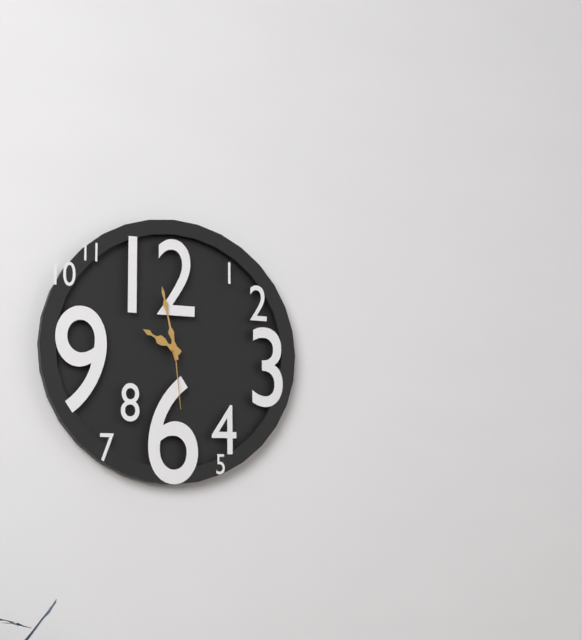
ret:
9:58:29
